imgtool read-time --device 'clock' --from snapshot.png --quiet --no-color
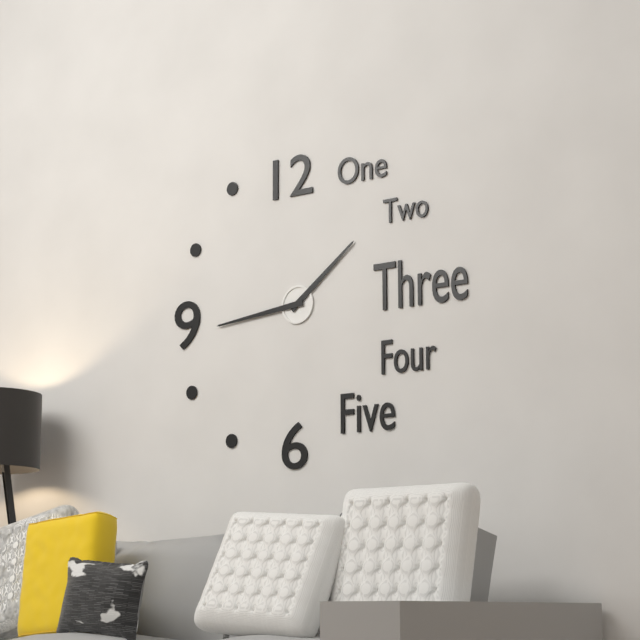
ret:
1:44
